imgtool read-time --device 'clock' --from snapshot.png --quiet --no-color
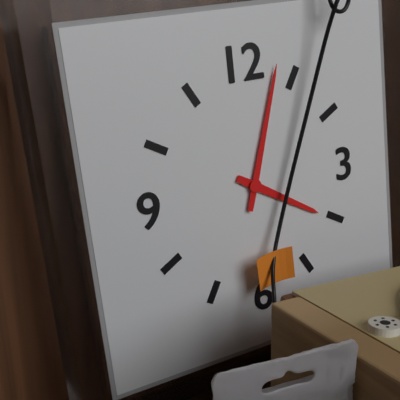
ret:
4:03
